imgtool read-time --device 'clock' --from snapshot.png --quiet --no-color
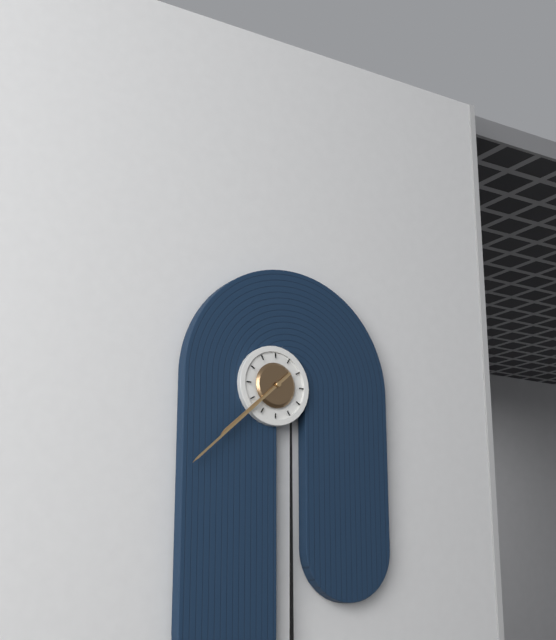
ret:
7:38
